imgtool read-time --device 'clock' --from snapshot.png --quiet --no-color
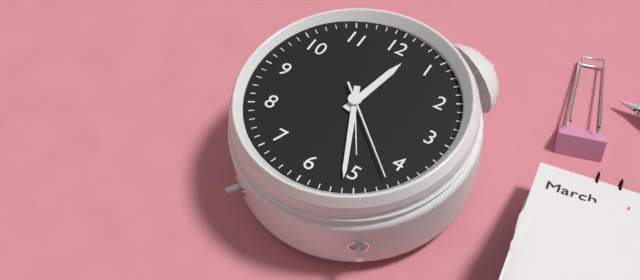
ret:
12:26:22
